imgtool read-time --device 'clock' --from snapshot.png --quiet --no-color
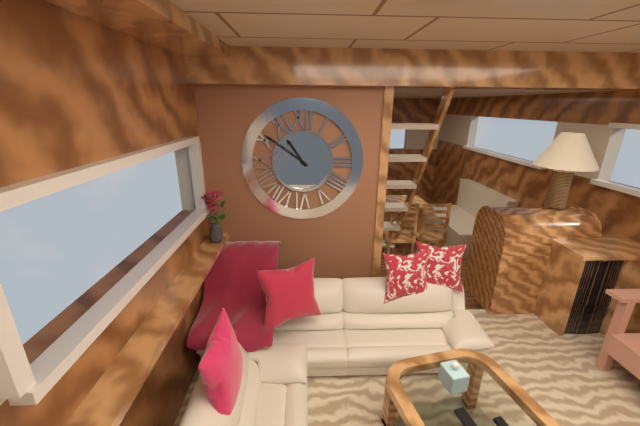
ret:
10:51
